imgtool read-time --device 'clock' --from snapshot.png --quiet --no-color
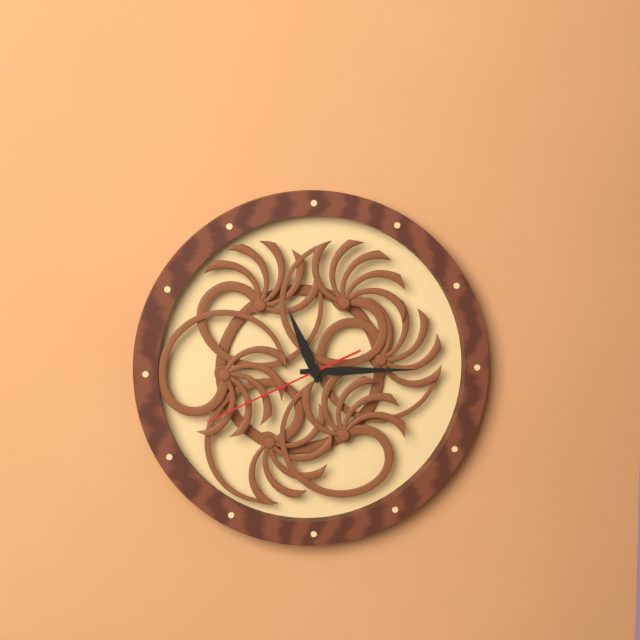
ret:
11:15:41
